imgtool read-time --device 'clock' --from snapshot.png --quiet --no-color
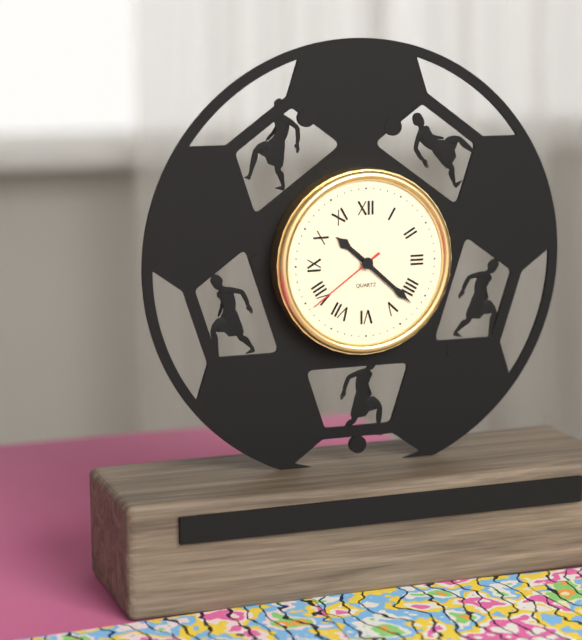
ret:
10:22:39
